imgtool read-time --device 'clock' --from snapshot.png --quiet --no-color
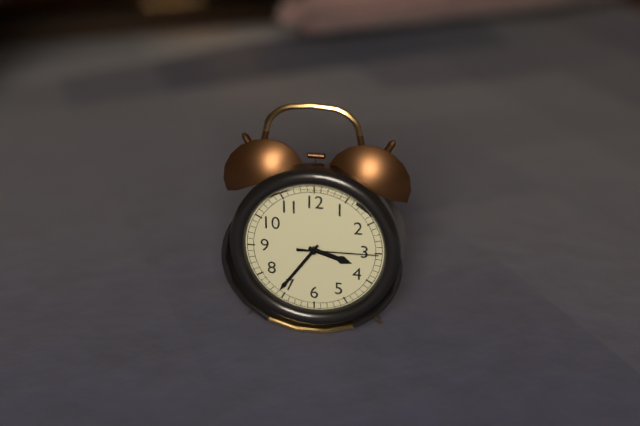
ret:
3:36:15
